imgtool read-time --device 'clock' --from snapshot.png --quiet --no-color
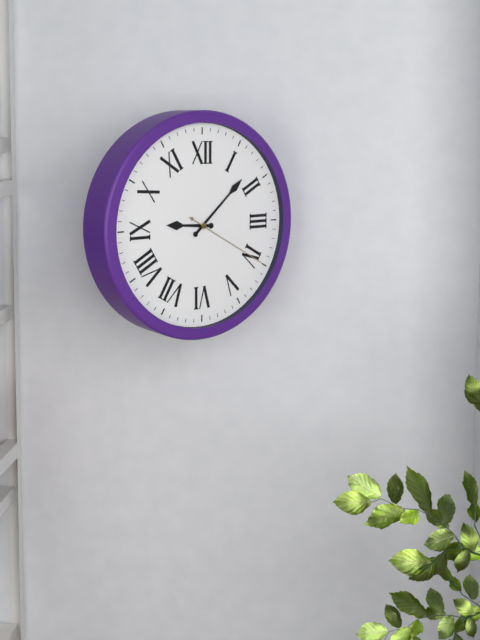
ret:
9:08:20
